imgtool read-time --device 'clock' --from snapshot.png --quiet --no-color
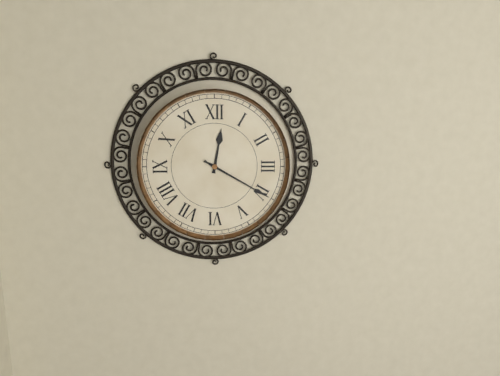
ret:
12:20
